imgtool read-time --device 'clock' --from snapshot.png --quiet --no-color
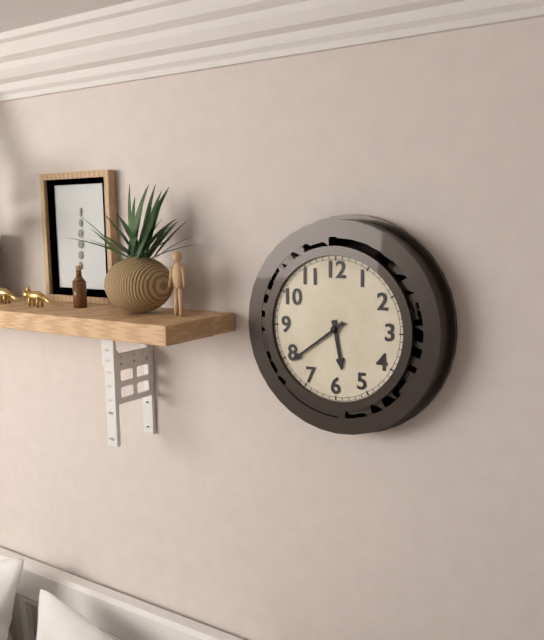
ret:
5:39
